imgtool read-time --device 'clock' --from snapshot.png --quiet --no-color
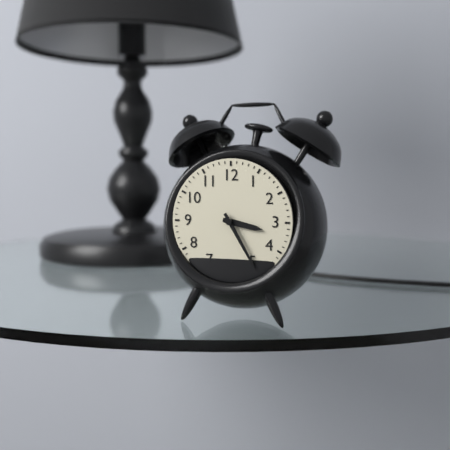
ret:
3:25
